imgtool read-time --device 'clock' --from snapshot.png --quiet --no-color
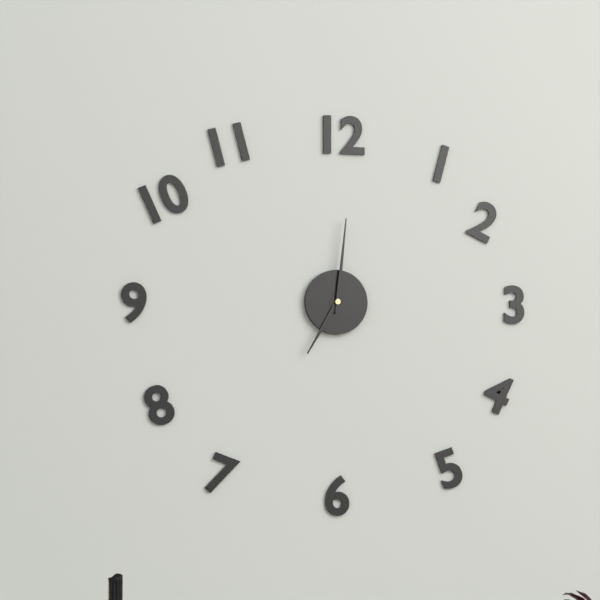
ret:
7:01
